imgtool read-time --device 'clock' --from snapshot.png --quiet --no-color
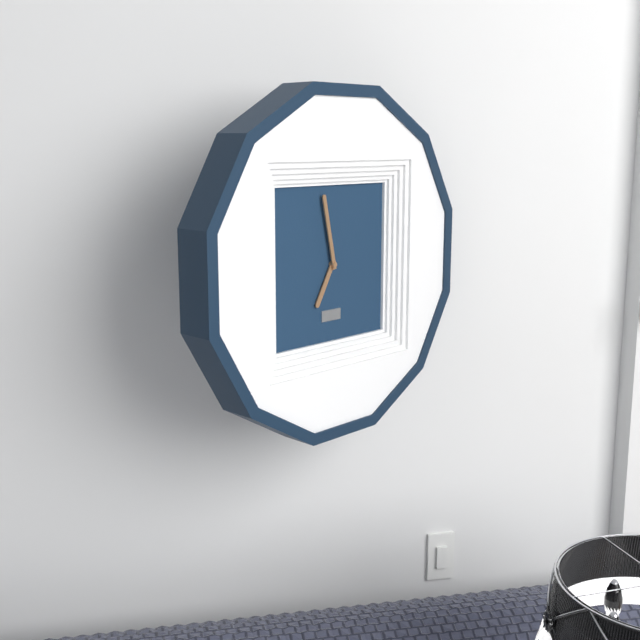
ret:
6:58
